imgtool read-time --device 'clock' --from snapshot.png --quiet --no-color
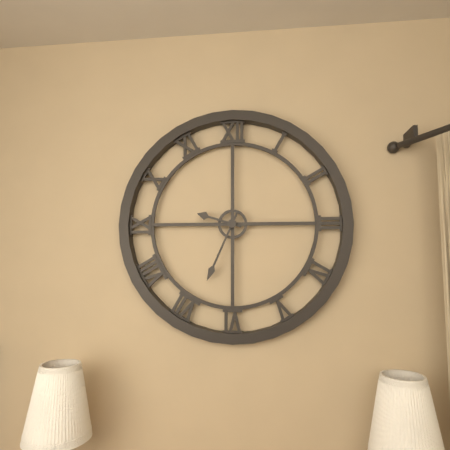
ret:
9:34
